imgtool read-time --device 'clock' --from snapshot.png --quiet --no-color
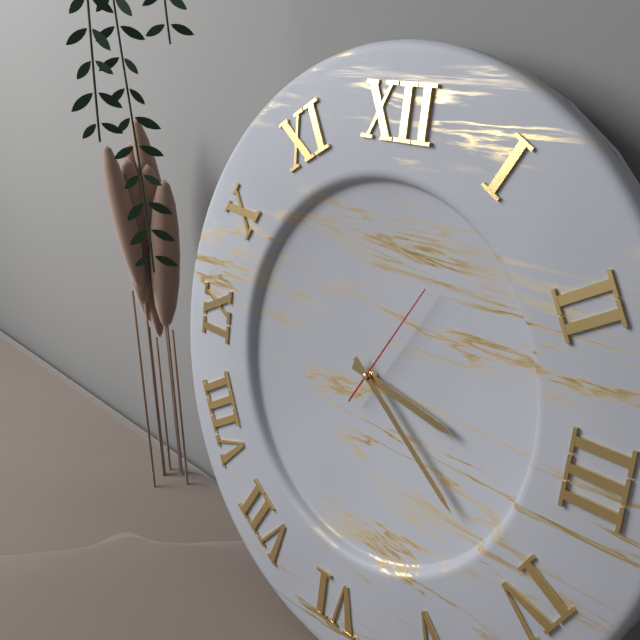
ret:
3:21:05
